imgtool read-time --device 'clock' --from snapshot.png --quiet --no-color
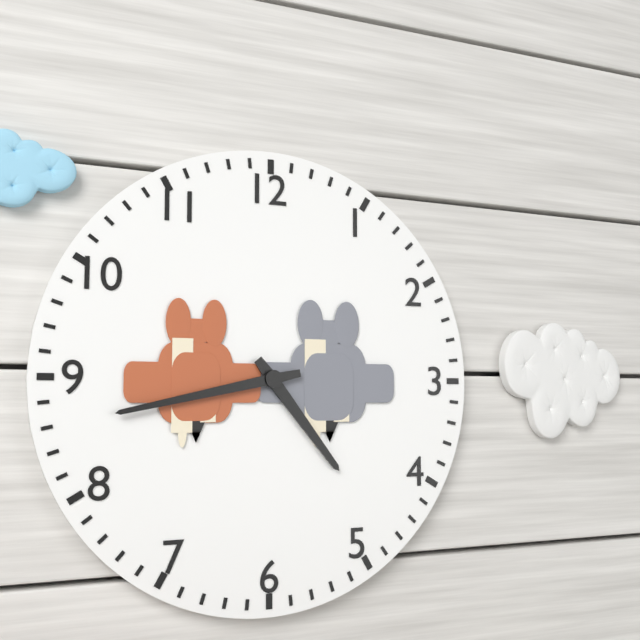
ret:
4:43
